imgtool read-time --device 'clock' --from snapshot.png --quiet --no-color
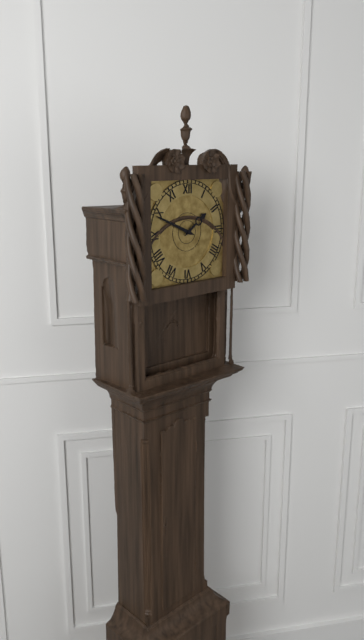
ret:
1:49
